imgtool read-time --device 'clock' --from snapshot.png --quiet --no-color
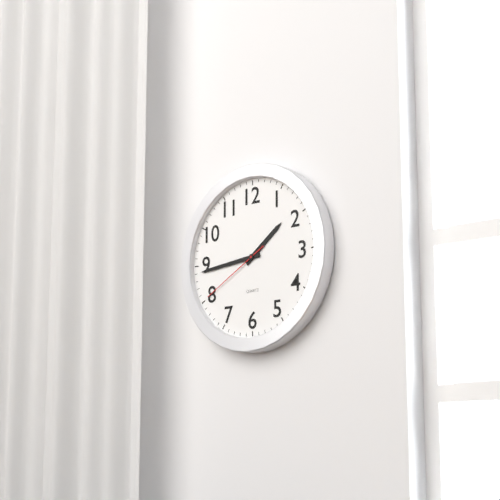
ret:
1:44:40
